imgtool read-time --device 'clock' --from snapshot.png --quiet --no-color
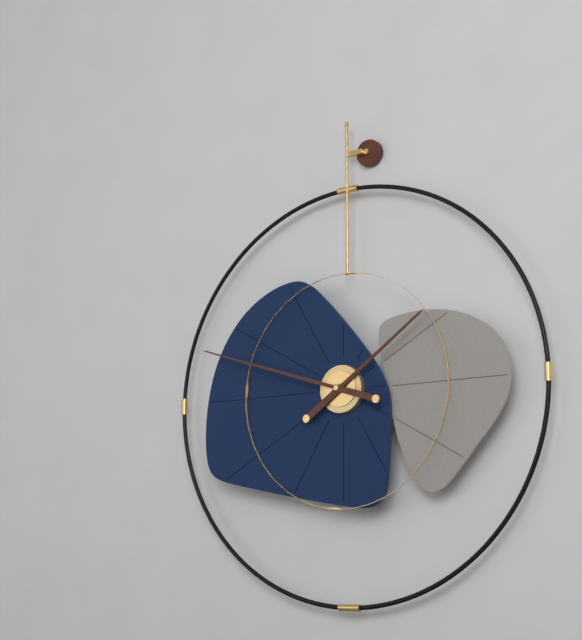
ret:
1:48
